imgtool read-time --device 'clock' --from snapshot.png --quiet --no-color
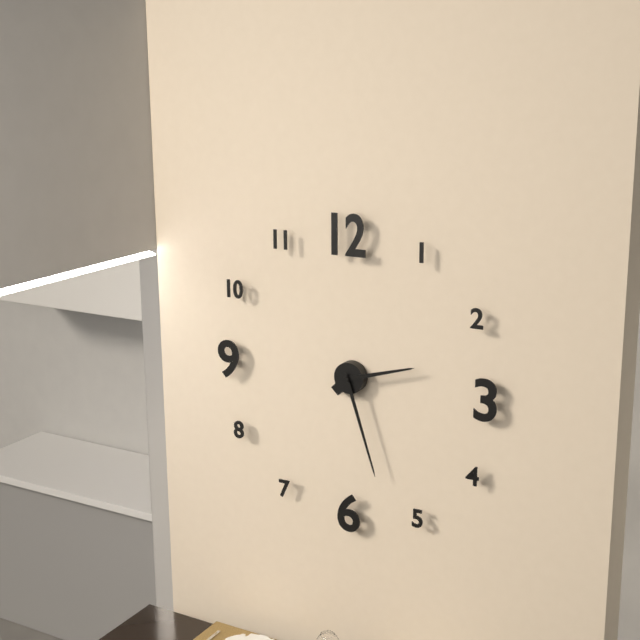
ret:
2:27
